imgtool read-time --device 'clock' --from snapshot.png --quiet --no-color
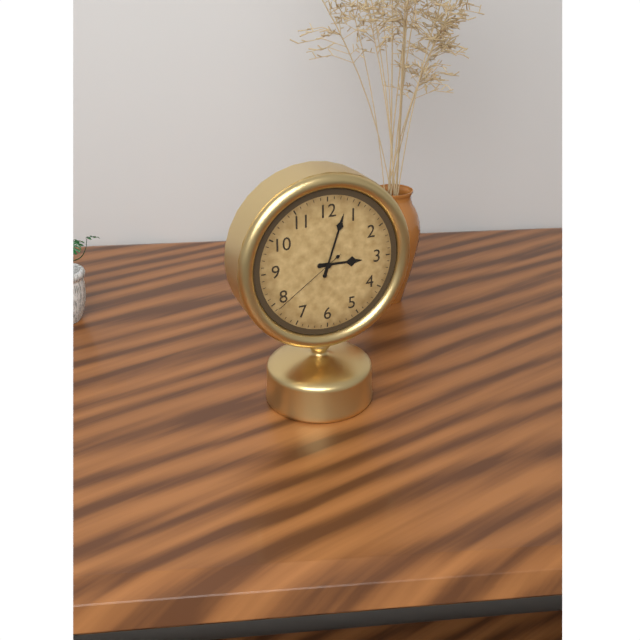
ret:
3:03:39
